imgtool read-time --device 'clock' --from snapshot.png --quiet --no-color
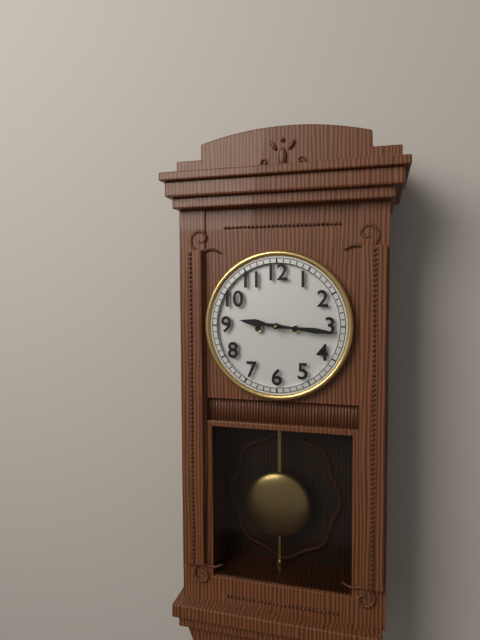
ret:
9:16
